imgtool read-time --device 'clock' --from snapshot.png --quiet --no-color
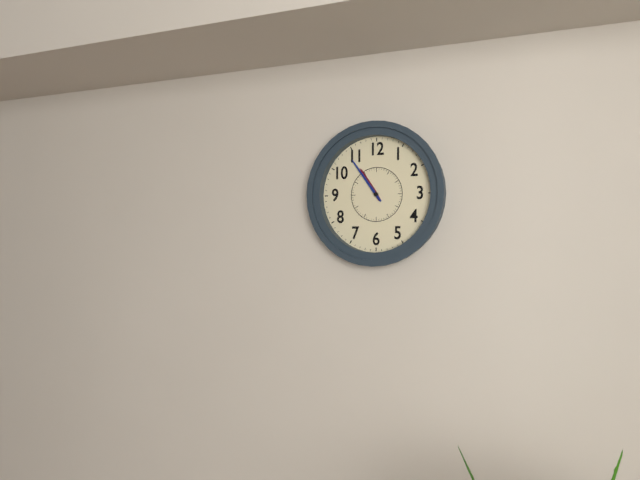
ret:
10:54
